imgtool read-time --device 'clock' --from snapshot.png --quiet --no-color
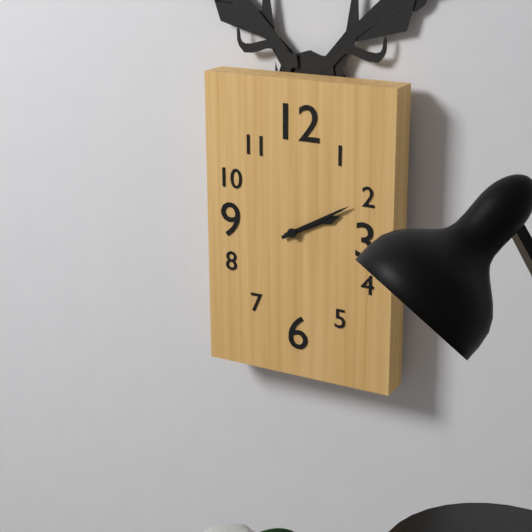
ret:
2:10
